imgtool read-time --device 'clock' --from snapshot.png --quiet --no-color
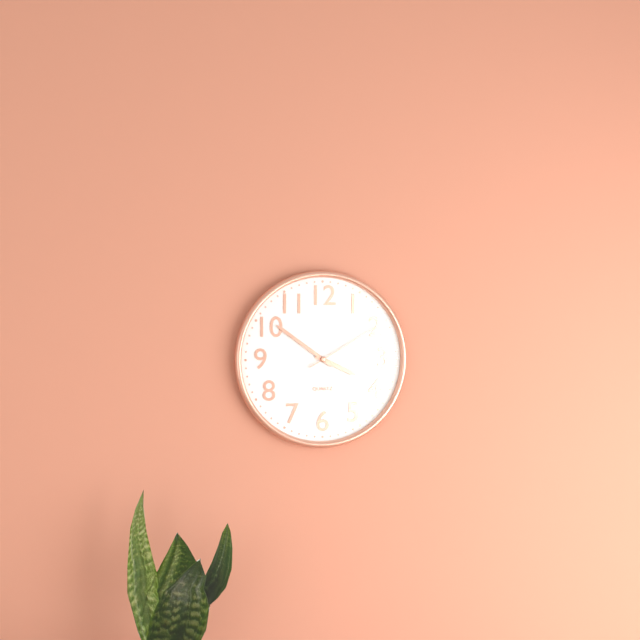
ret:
3:51:10
